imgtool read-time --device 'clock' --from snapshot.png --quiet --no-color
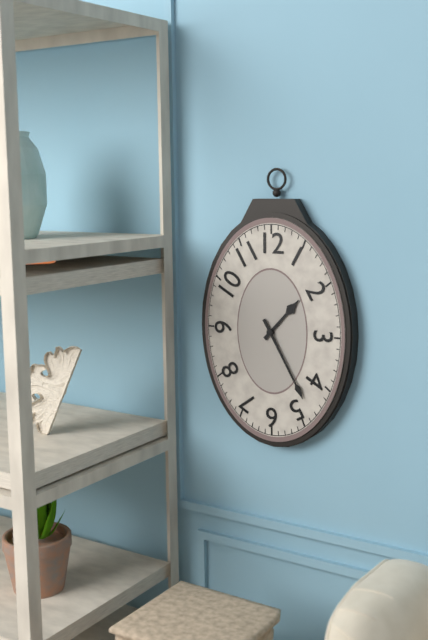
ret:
1:25
